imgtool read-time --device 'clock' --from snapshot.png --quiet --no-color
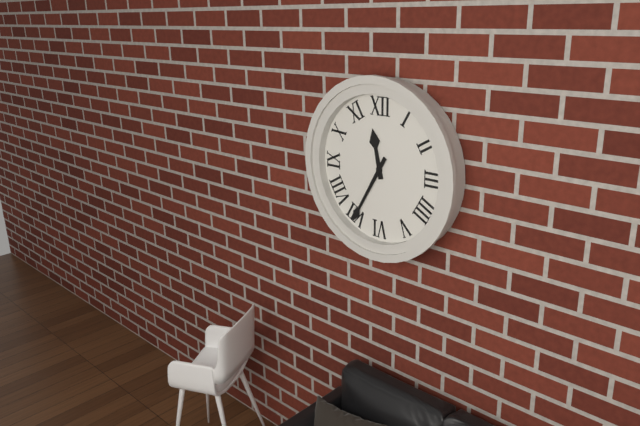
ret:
11:35
